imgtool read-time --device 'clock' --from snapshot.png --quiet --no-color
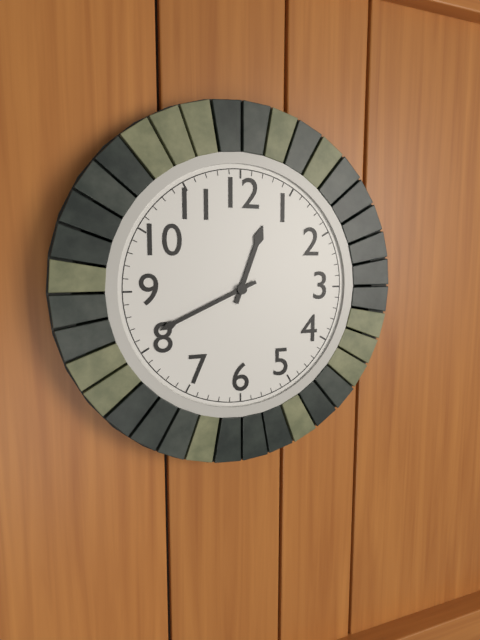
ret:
12:41
